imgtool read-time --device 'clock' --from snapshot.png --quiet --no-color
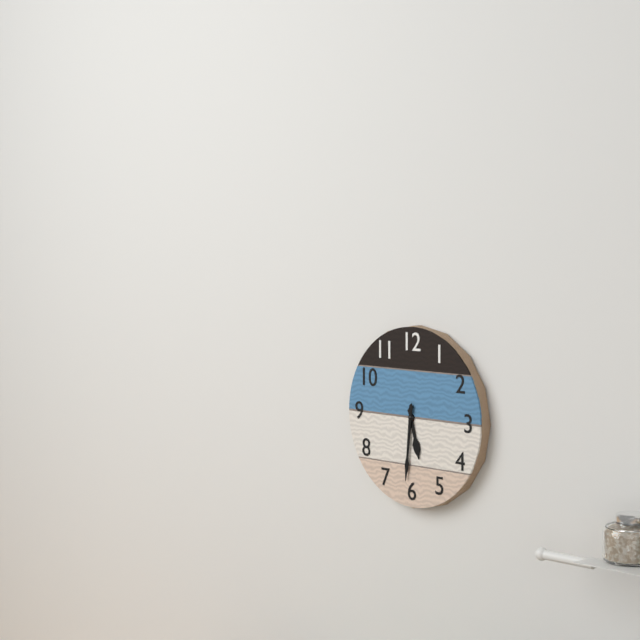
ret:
5:31
